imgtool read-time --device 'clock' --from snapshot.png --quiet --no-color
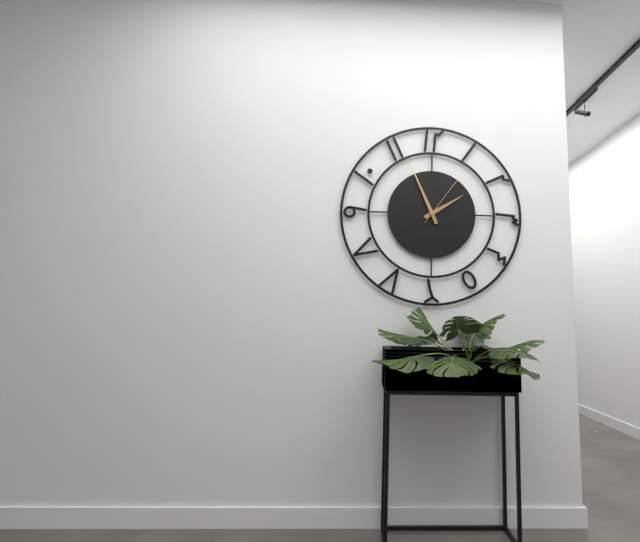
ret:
1:56:06
